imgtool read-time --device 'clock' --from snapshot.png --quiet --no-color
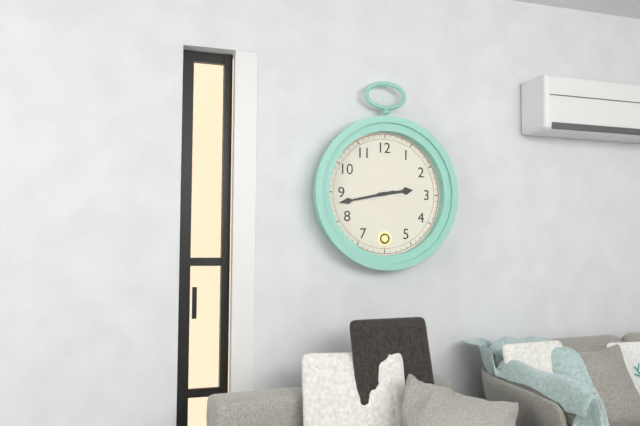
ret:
2:43
